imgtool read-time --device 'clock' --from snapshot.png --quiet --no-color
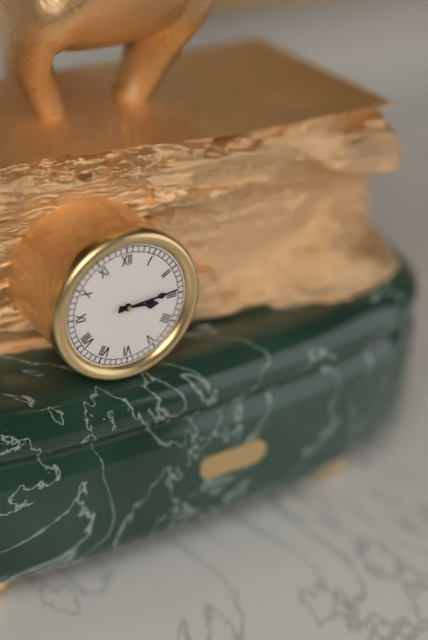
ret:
3:14
